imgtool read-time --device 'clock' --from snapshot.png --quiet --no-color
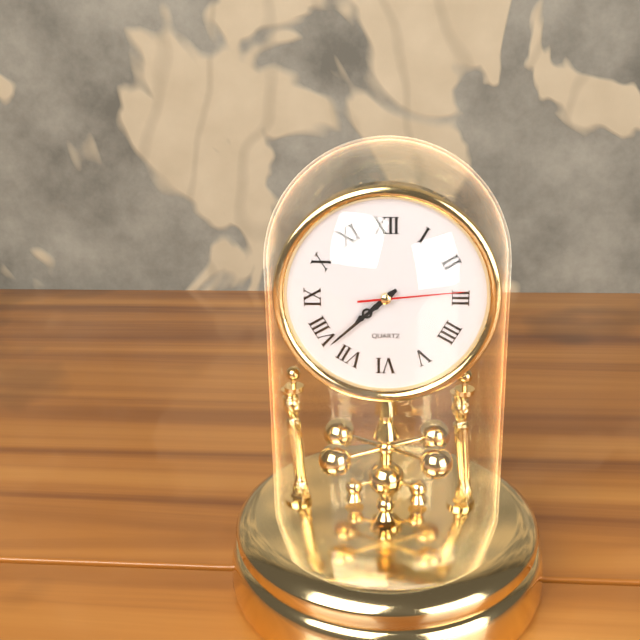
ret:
7:38:14
